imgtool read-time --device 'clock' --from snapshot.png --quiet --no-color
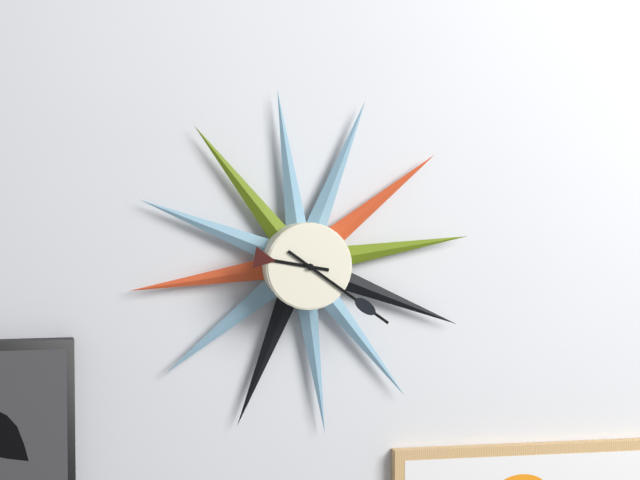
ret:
9:21
